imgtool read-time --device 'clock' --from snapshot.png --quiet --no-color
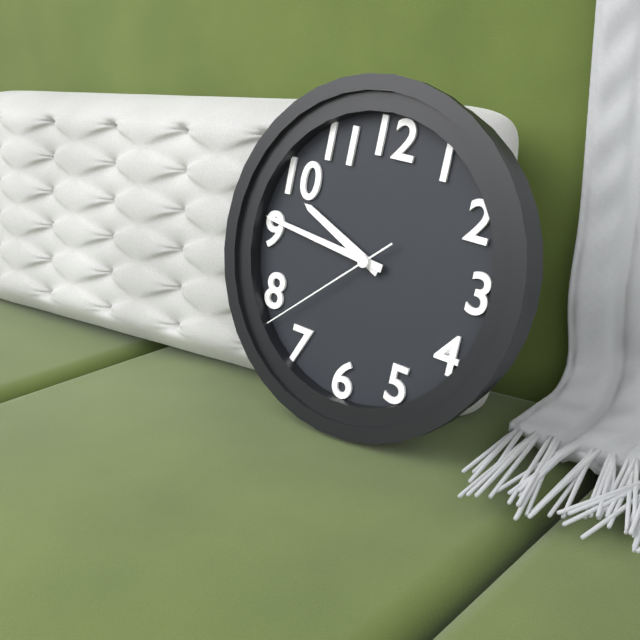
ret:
9:46:38
